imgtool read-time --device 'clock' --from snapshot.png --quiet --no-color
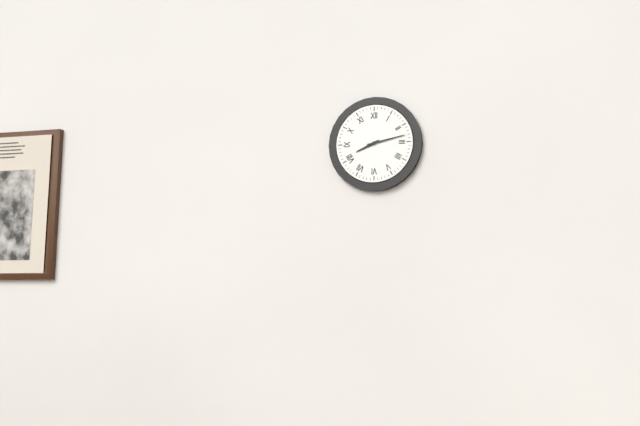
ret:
8:13
